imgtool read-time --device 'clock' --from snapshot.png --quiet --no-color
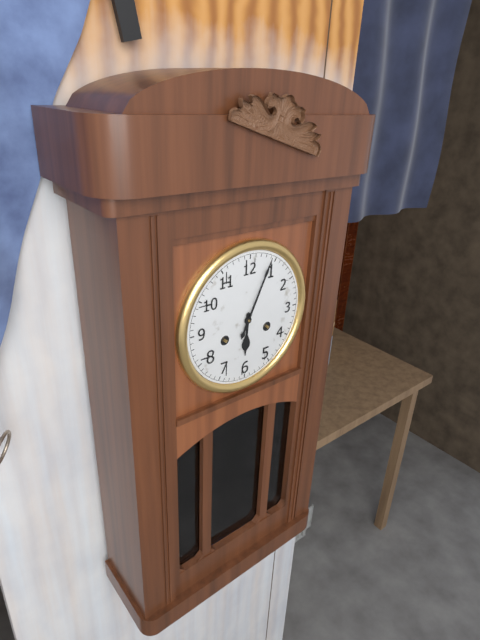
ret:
6:04
